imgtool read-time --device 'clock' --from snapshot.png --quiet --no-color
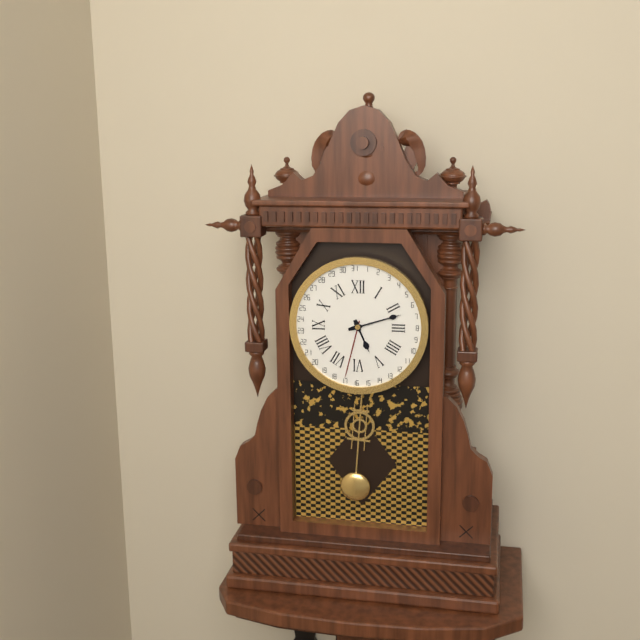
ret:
5:12
